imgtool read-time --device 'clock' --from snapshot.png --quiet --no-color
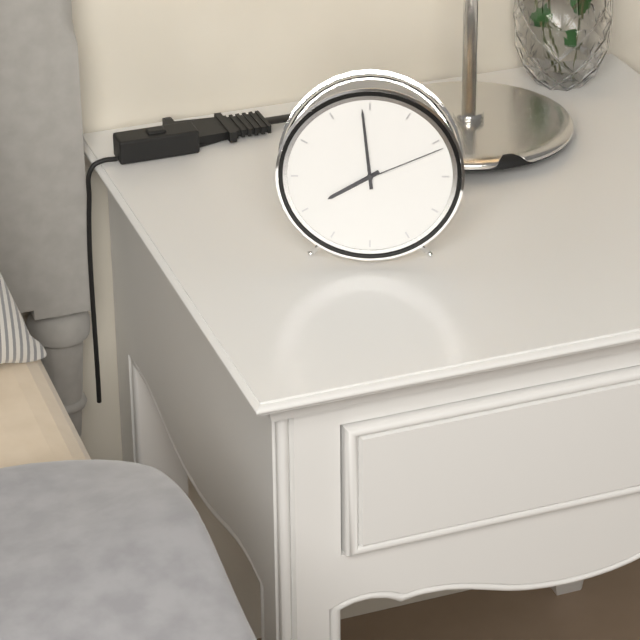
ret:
7:59:11
